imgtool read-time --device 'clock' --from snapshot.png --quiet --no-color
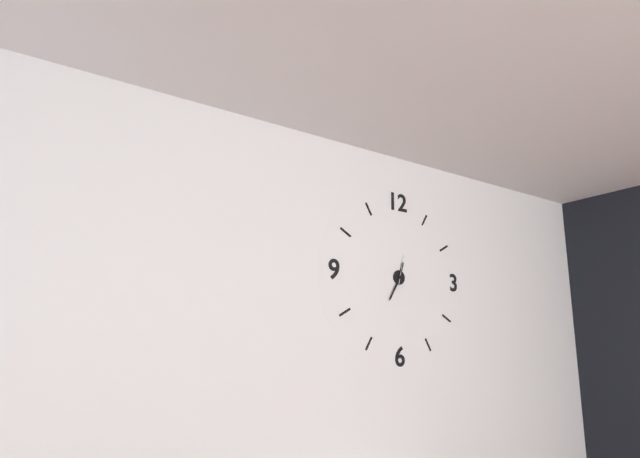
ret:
12:35
